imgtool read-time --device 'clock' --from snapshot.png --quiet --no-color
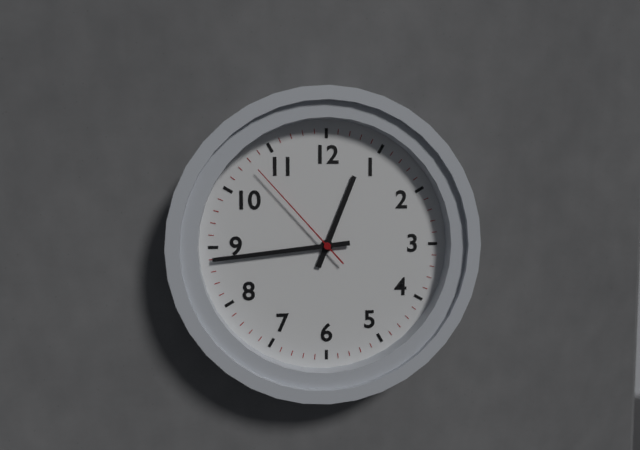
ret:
12:44:53
